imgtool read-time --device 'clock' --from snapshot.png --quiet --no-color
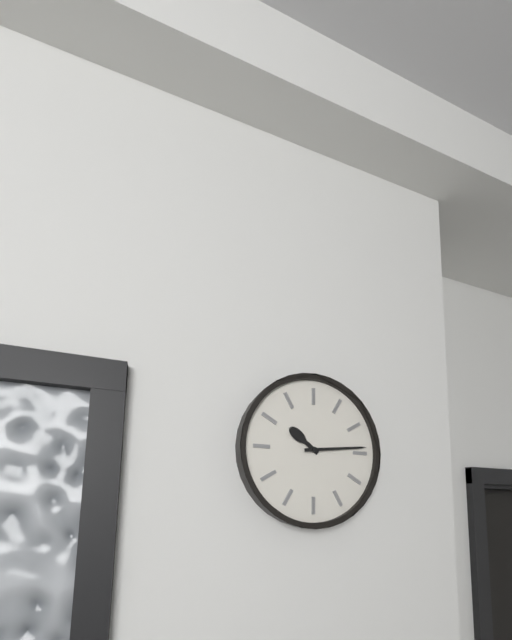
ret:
10:14
